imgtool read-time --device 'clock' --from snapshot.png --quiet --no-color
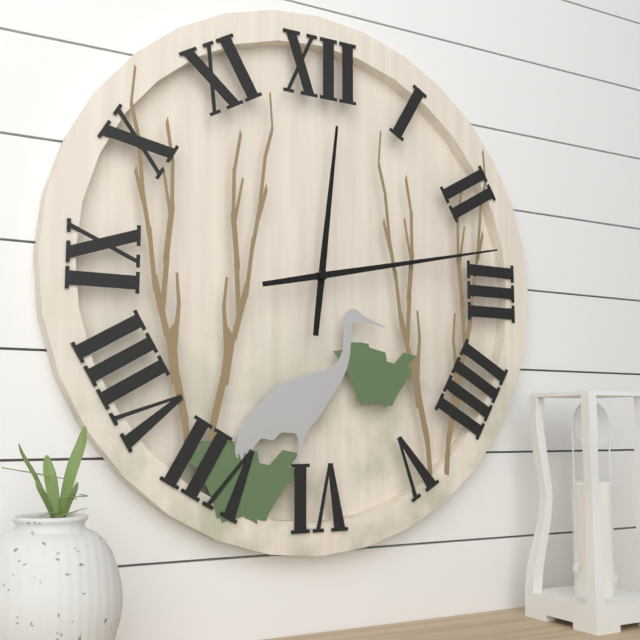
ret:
12:13
